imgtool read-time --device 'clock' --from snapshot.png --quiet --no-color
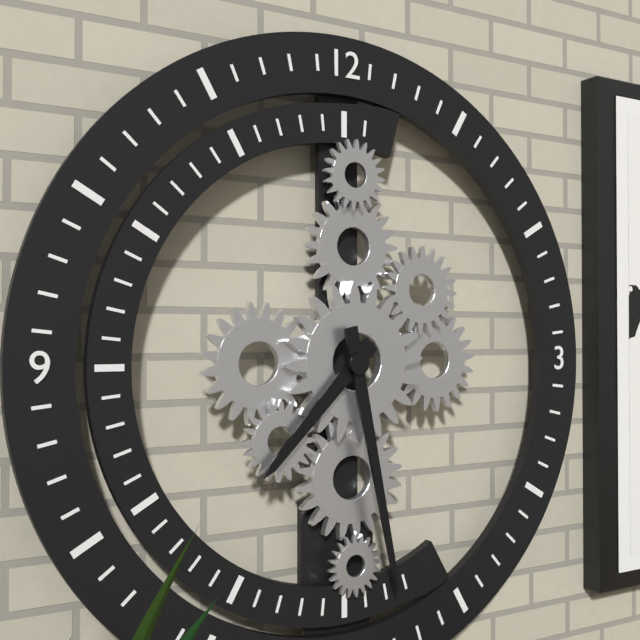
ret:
7:28
